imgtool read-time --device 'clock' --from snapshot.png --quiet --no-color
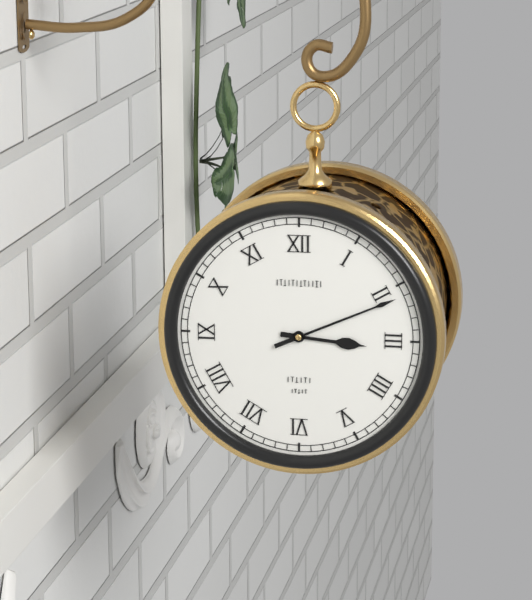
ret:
3:11
